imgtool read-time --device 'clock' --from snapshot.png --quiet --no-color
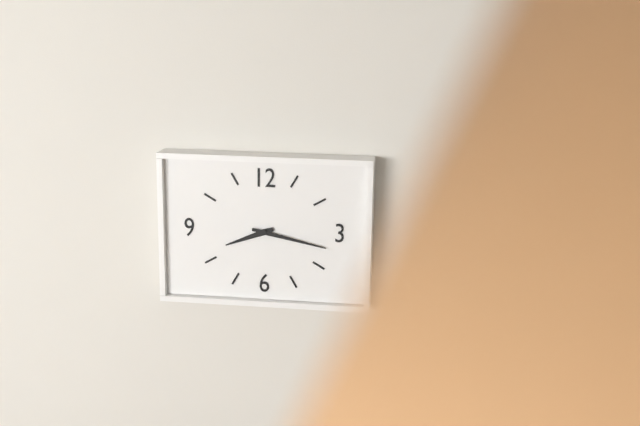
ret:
8:17
